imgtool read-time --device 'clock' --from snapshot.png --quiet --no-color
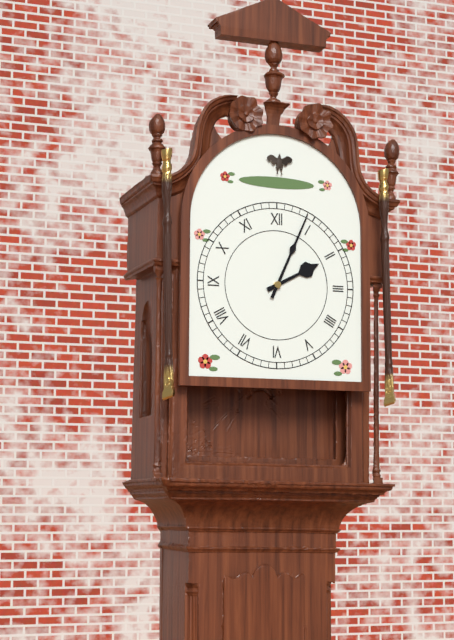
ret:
2:04
